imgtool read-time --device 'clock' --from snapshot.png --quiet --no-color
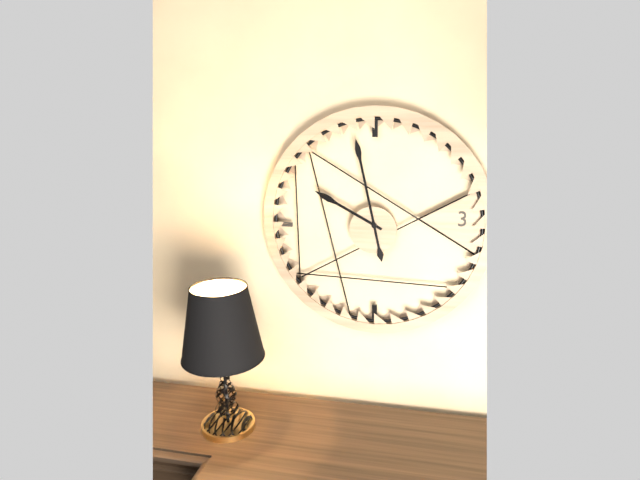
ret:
9:58
